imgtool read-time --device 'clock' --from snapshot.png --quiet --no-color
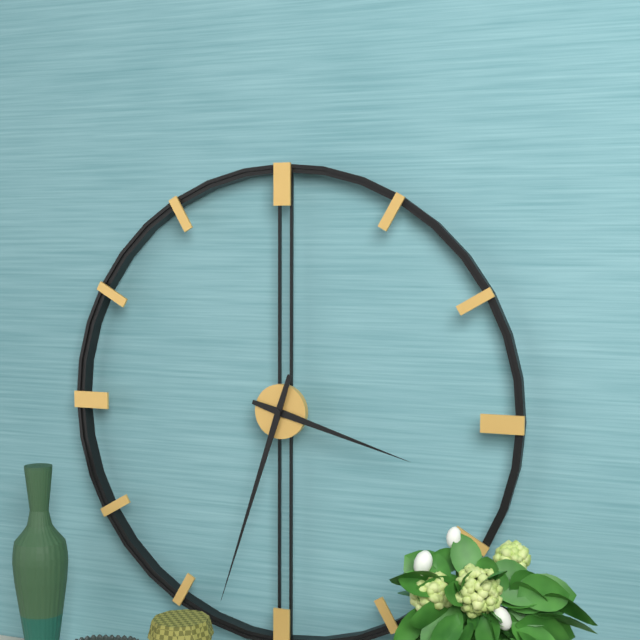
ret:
3:33
